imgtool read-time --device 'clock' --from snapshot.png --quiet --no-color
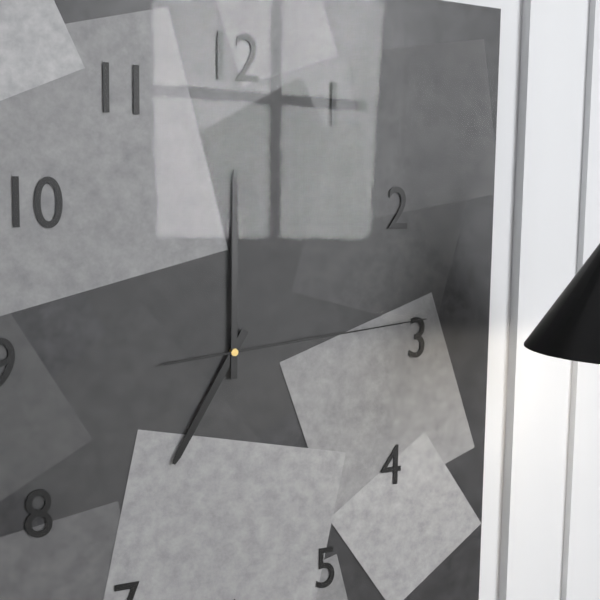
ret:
7:00:14
